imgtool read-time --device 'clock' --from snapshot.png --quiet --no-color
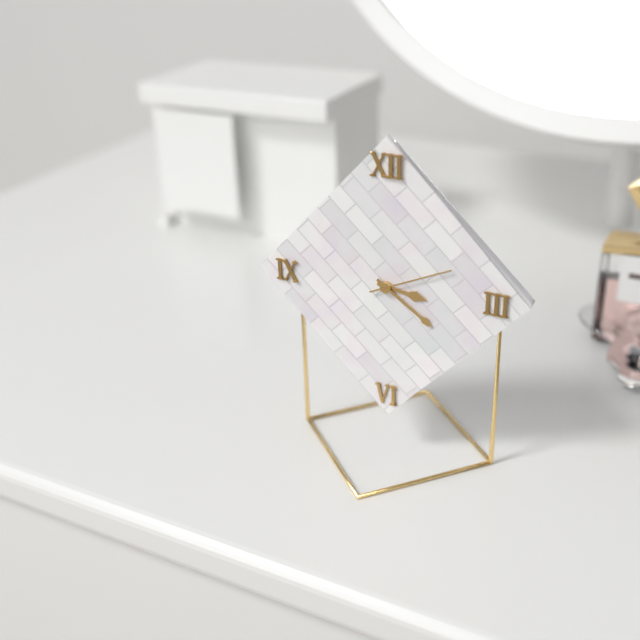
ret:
3:21:11
